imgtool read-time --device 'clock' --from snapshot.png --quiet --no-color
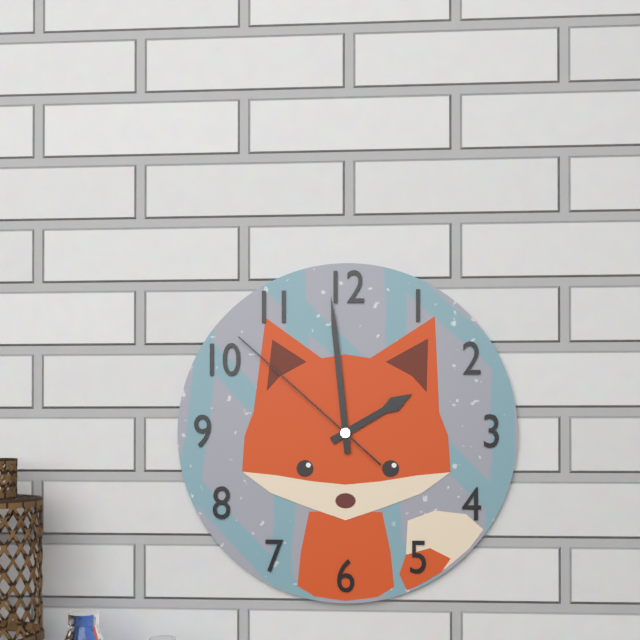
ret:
1:59:52
